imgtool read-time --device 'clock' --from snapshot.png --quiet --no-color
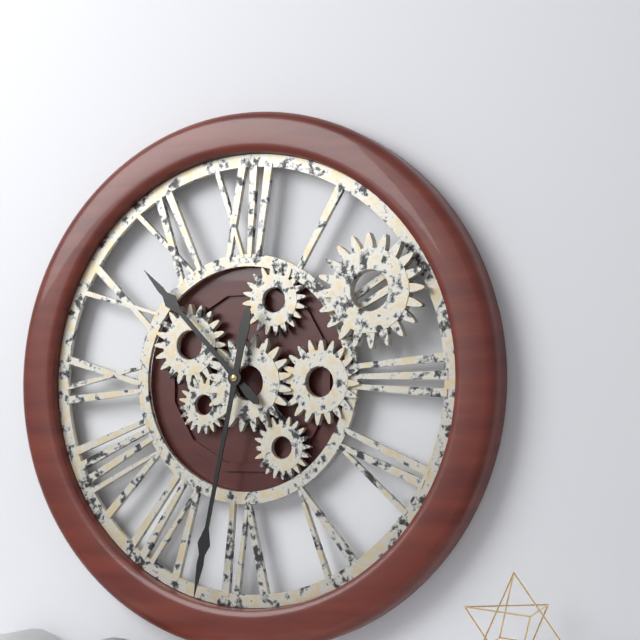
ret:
10:32
